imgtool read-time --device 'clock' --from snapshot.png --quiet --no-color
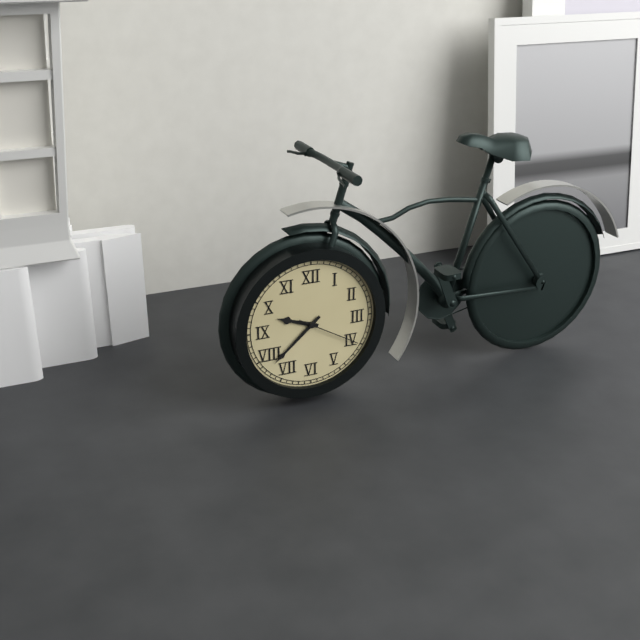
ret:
9:38:20
